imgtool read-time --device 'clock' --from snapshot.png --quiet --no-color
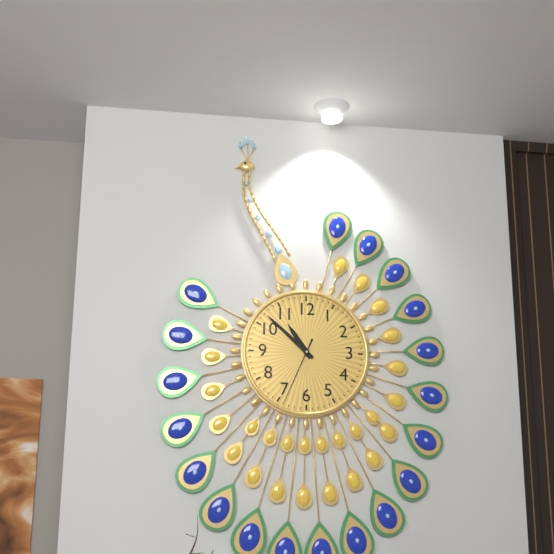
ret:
10:52:34
